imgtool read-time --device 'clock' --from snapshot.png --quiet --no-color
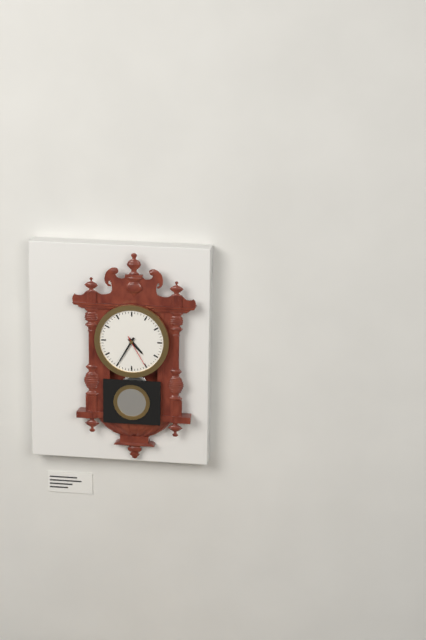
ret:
4:35
